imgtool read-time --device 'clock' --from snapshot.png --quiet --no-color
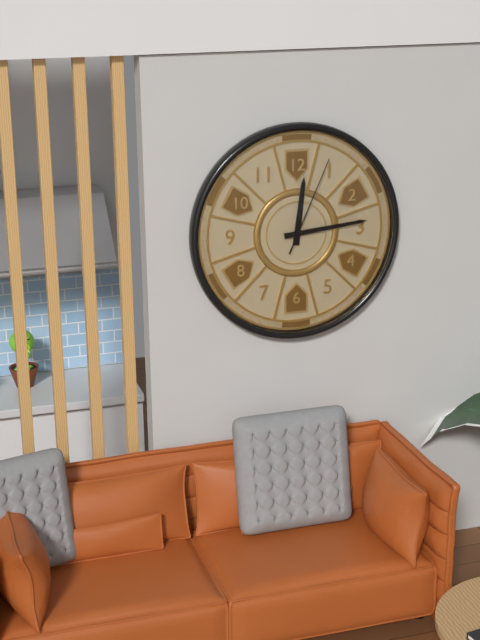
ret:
12:14:04
